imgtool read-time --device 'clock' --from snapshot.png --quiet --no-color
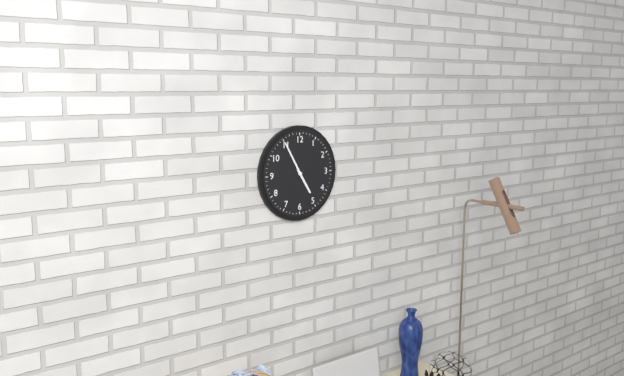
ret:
4:55
